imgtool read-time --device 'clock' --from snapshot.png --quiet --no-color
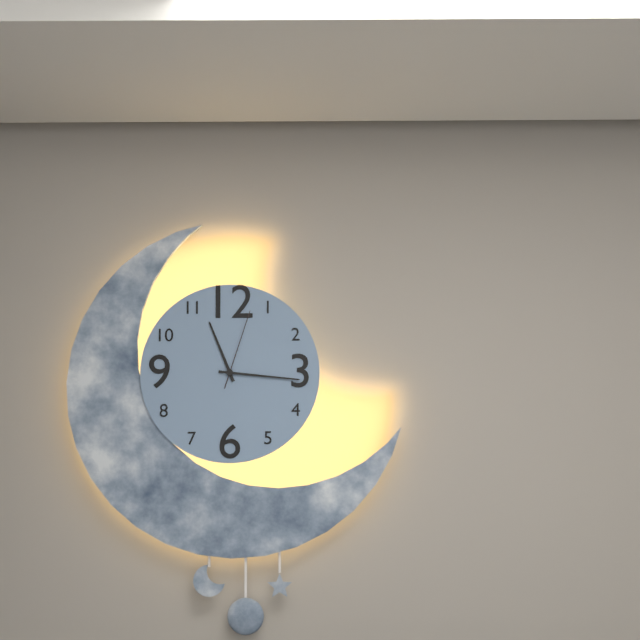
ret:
11:16:03
